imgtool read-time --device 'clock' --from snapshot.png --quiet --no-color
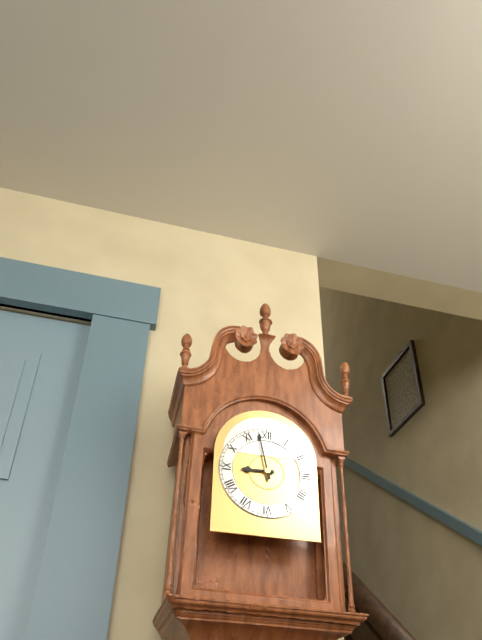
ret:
8:58
